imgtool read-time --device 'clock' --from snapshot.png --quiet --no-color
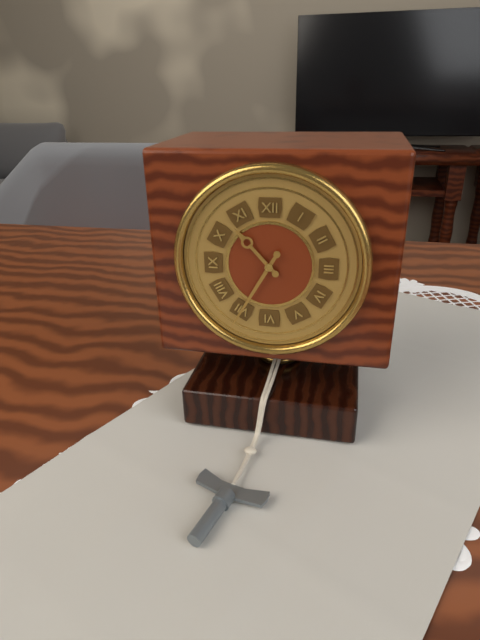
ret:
10:35
